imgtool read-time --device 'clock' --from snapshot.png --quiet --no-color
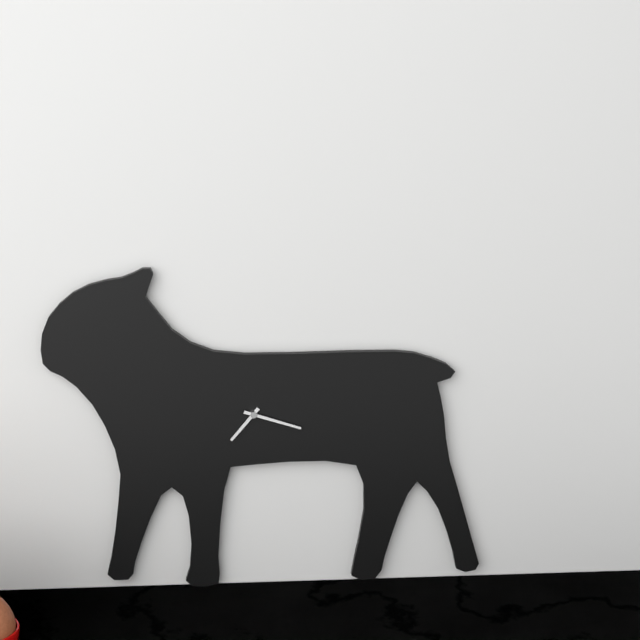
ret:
7:18
